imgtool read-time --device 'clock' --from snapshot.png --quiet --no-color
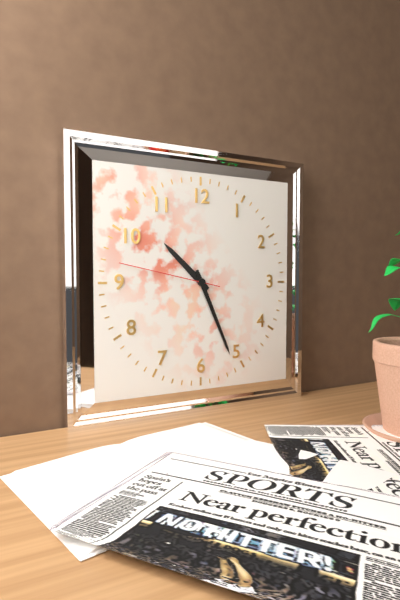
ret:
10:26:47
